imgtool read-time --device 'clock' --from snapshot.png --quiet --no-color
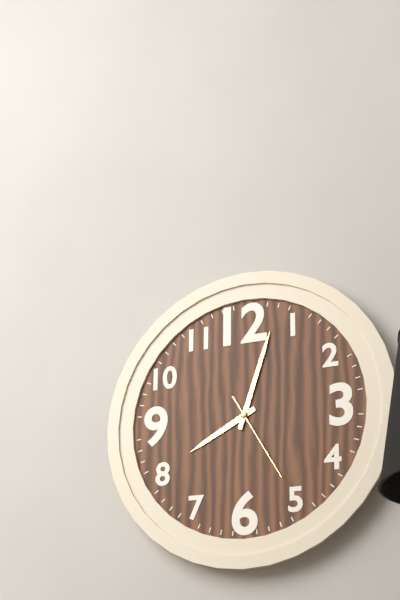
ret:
8:03:25
